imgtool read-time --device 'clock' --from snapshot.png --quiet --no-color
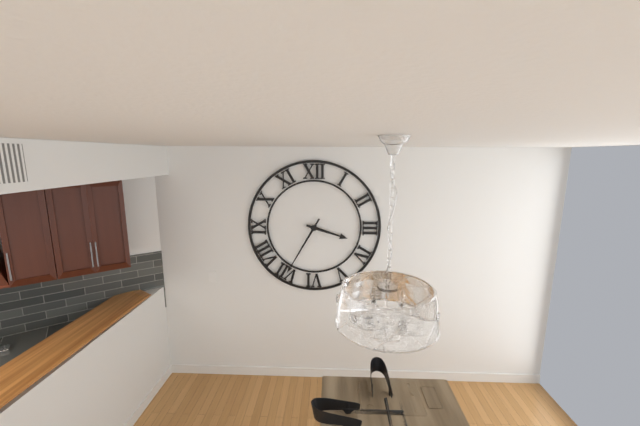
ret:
3:35
